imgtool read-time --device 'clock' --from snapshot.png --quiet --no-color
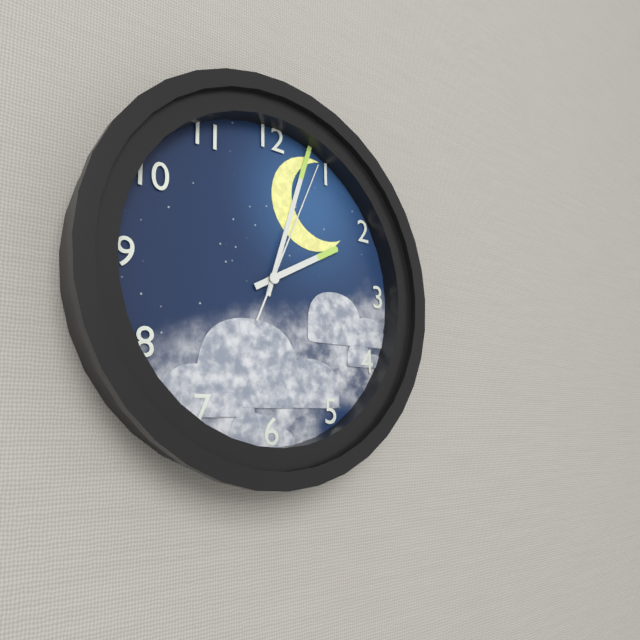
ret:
2:03:04
